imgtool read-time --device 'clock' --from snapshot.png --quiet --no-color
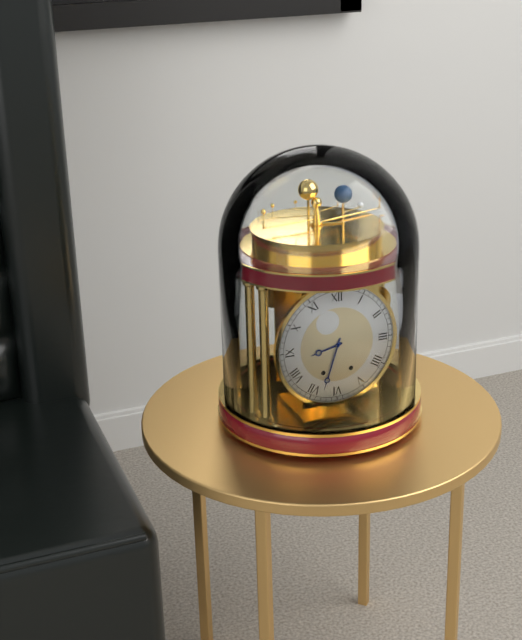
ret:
8:33
